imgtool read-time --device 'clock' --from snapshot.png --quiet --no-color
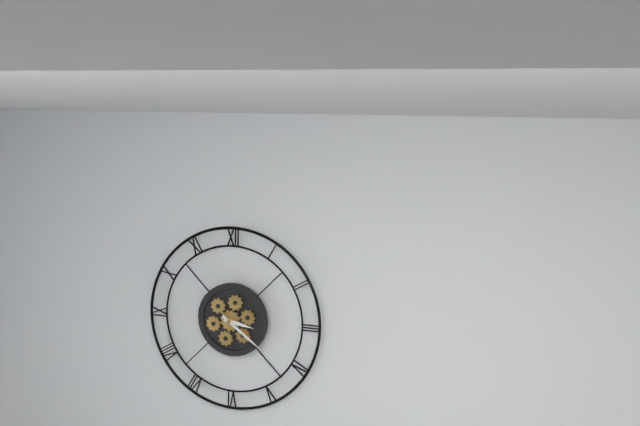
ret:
3:21
